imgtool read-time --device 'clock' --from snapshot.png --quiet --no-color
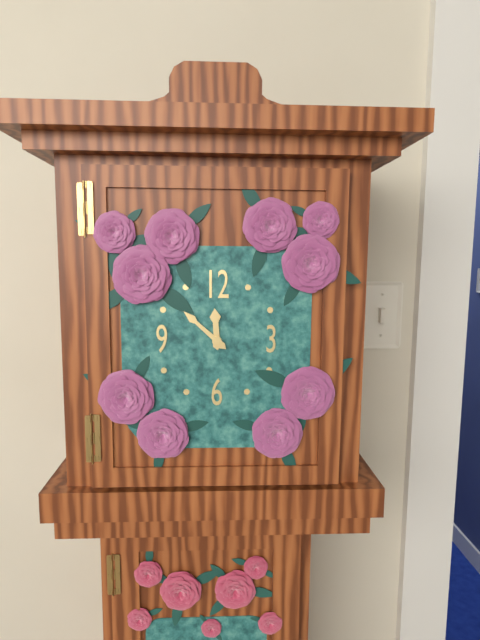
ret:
11:52
